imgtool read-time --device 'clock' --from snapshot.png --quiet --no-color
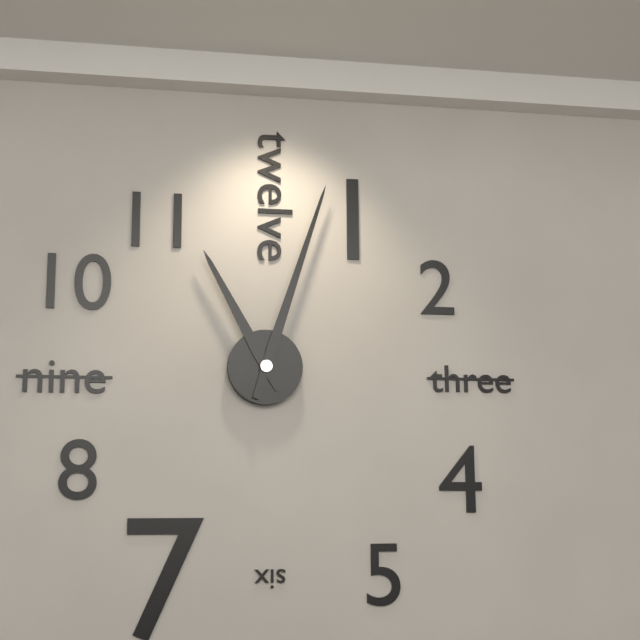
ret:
11:03
